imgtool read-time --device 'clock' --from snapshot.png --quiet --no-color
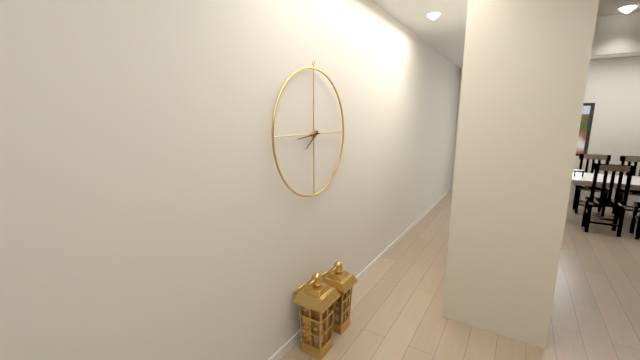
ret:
7:44
